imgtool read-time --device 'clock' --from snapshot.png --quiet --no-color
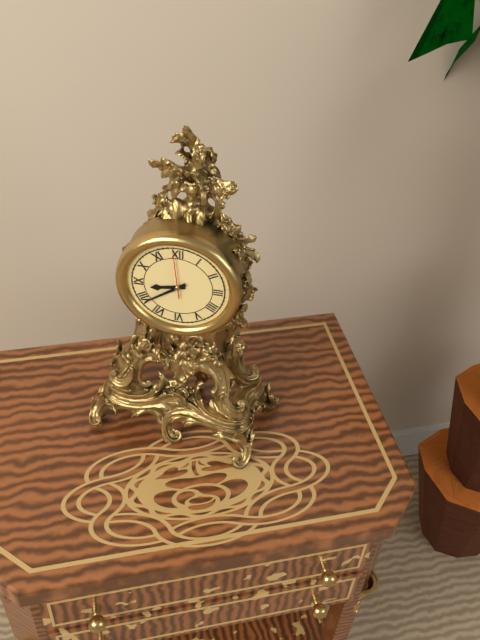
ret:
8:39
